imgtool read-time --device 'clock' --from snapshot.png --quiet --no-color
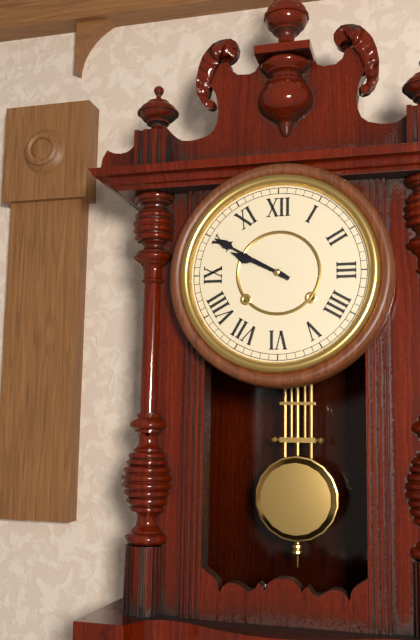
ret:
9:50
